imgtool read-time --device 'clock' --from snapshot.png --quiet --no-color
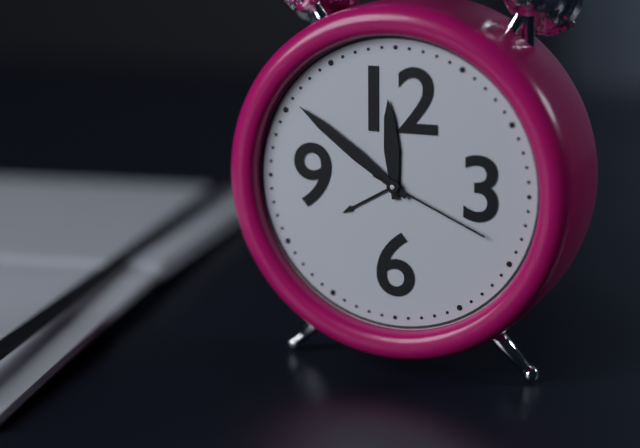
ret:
11:51:19
